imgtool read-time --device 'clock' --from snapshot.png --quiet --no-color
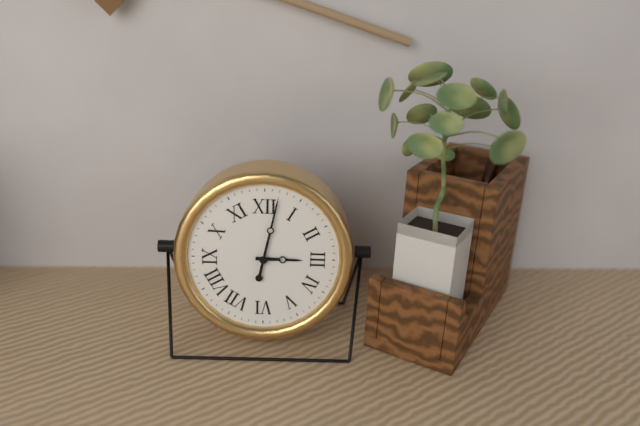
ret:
3:02
